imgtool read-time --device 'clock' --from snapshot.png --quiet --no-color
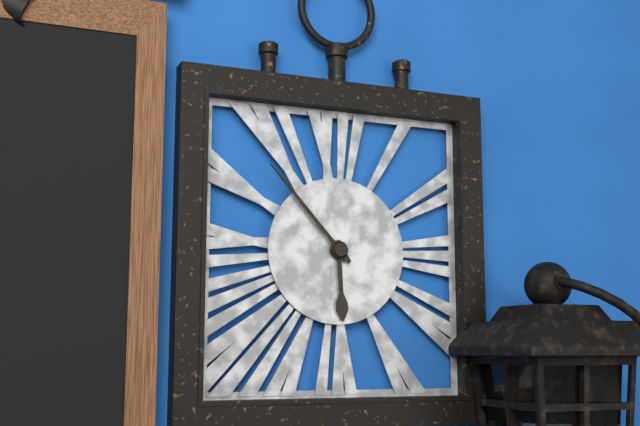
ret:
5:53
